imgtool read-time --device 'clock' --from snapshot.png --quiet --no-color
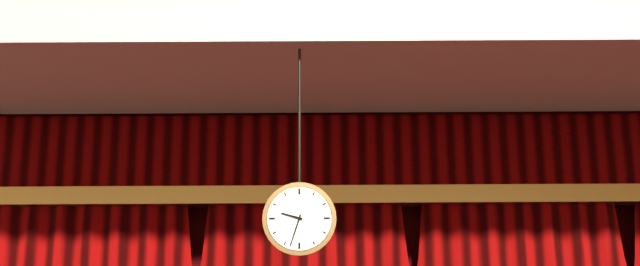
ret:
9:33
